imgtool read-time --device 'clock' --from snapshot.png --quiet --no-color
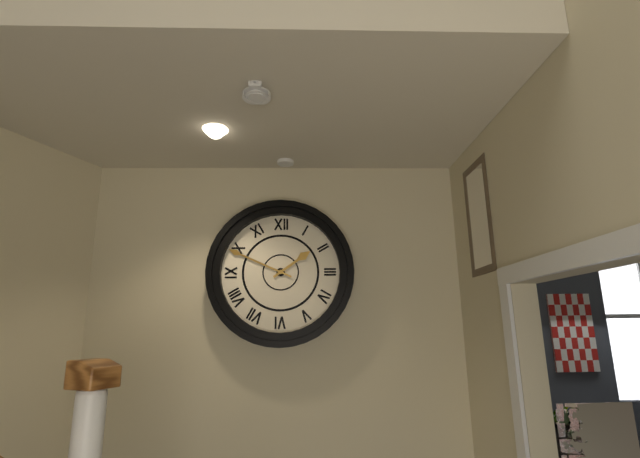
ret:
1:49
